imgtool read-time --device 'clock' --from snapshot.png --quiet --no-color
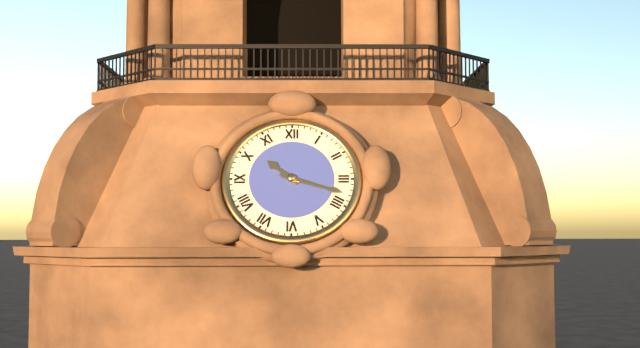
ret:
10:18
